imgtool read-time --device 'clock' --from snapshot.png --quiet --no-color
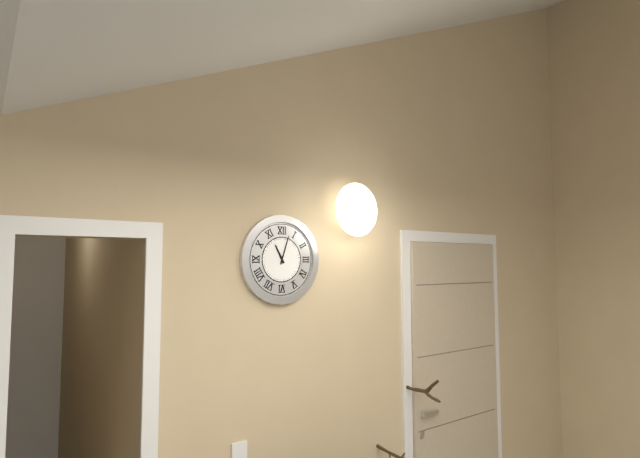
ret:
11:03
